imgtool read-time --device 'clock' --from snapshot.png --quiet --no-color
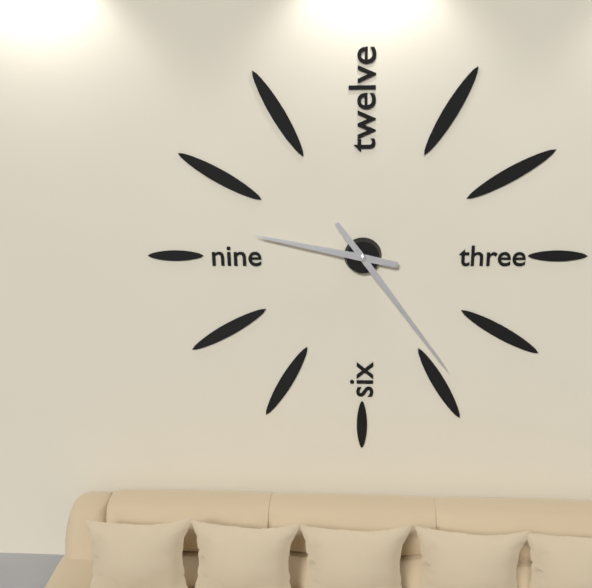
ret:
9:24
